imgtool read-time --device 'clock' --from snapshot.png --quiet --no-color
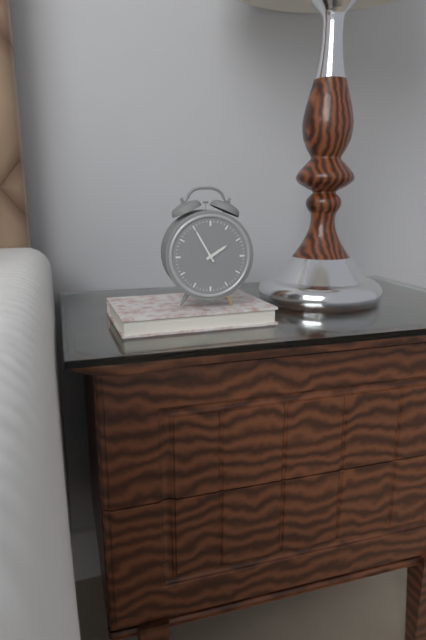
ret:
1:55
